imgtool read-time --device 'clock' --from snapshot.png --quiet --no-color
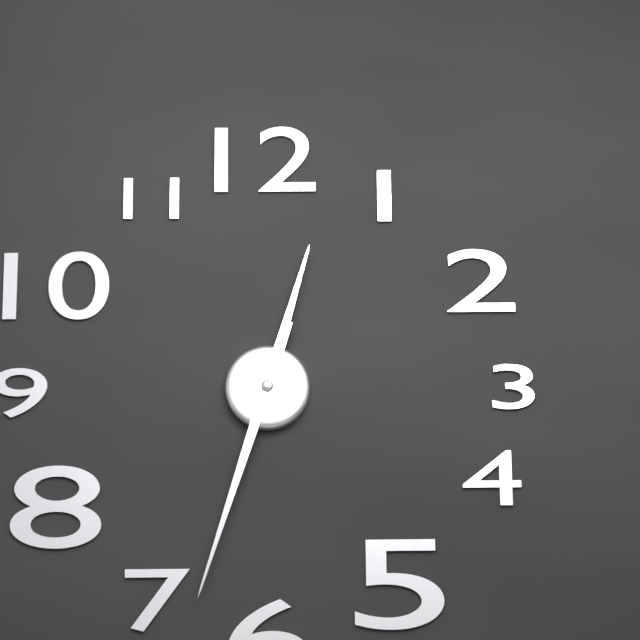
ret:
12:33
